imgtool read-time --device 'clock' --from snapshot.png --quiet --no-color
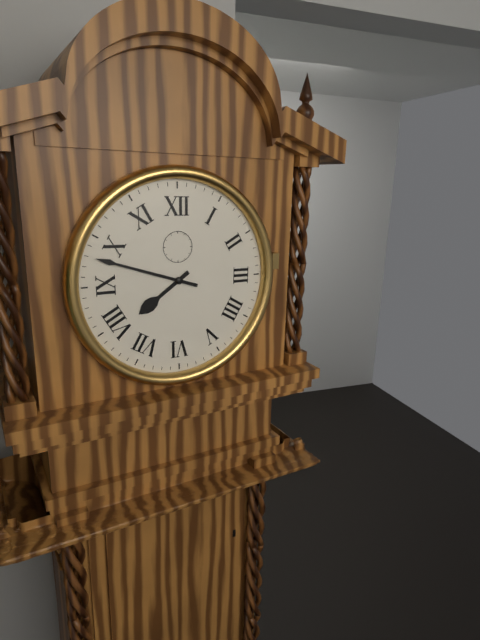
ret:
7:48
